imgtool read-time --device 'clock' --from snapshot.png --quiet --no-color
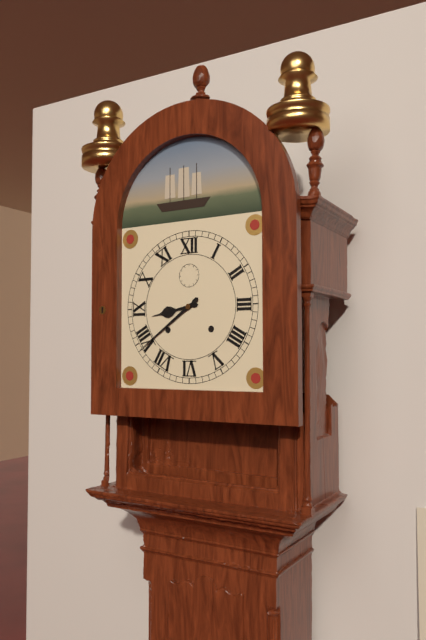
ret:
8:39
